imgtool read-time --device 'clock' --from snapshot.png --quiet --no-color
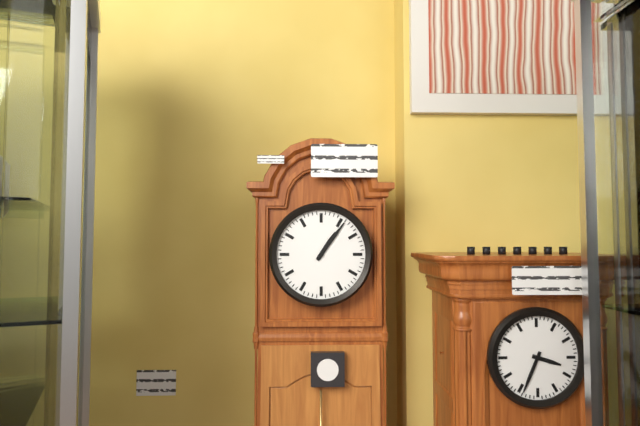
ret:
1:06
